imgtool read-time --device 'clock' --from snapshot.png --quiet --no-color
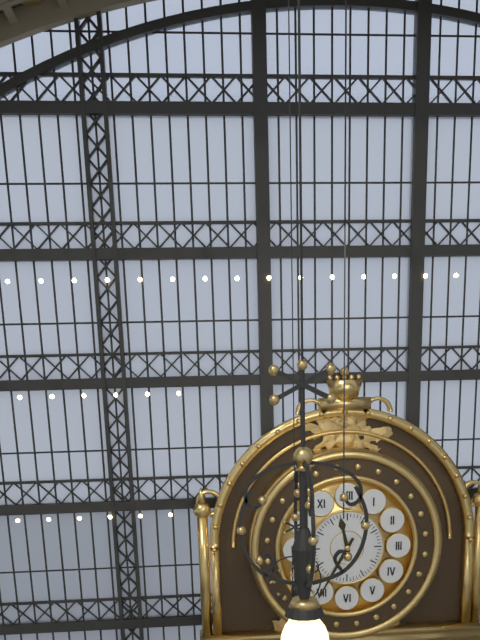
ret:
11:35
